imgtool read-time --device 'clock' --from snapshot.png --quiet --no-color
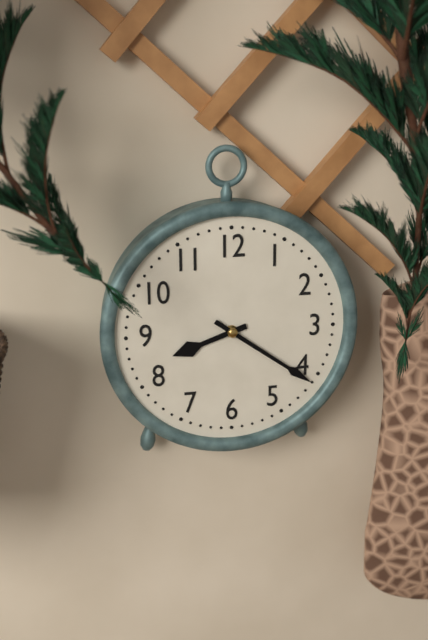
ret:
8:21
